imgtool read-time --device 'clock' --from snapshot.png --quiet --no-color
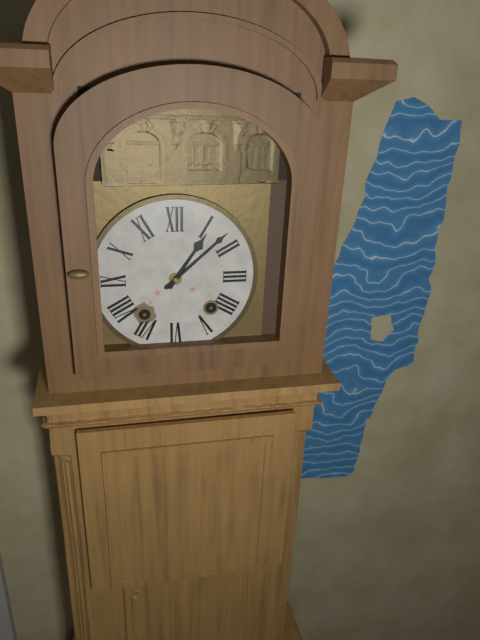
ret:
1:08
